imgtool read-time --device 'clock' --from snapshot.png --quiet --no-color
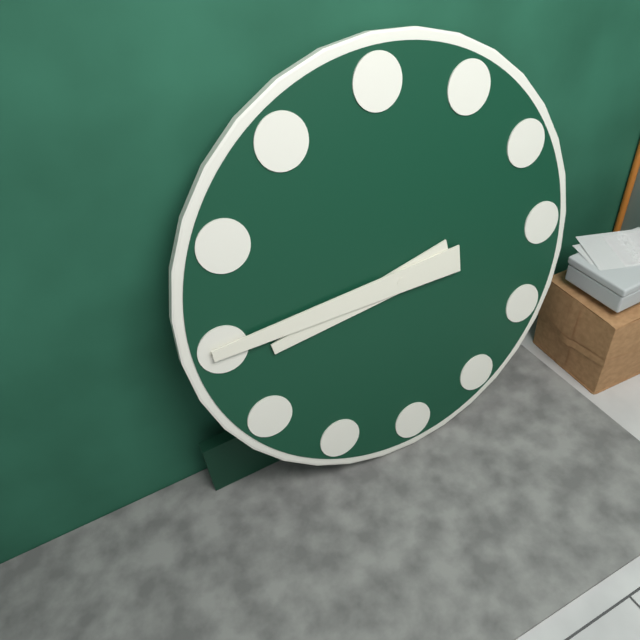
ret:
8:45
